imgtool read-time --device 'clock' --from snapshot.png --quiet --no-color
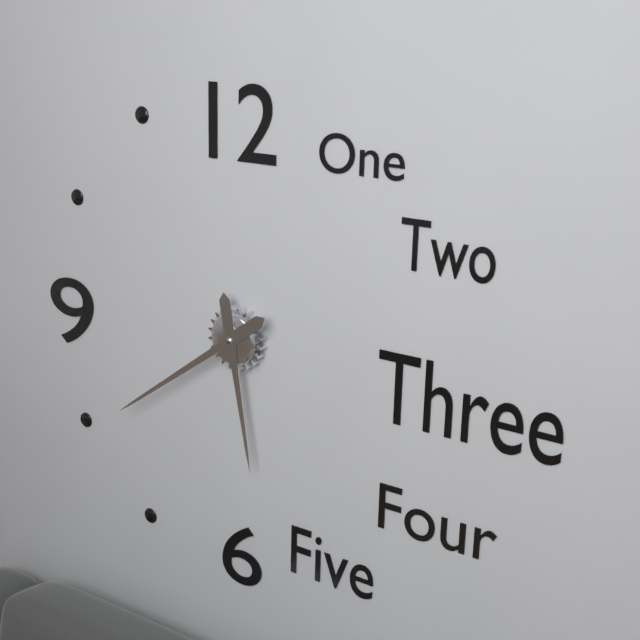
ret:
5:39
